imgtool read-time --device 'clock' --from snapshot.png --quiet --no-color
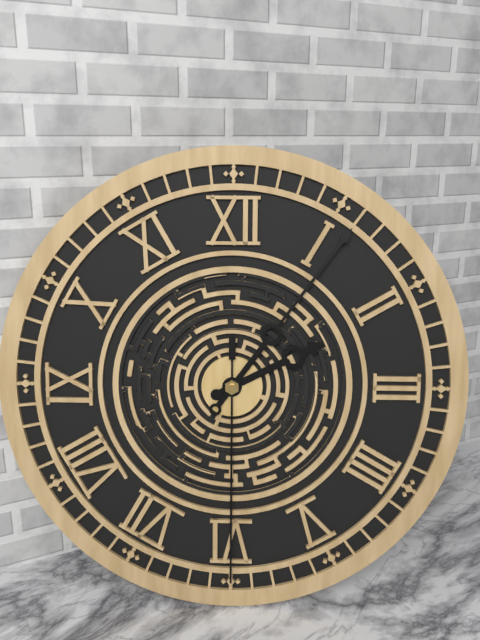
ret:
2:06:30
